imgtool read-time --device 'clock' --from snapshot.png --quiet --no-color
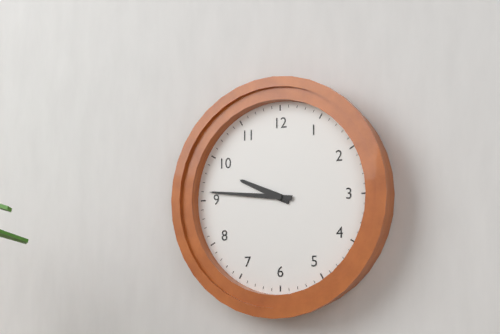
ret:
9:46
